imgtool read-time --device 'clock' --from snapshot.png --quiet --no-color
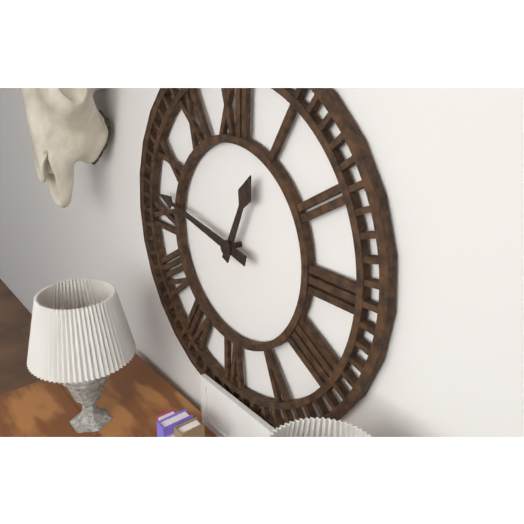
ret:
12:47
